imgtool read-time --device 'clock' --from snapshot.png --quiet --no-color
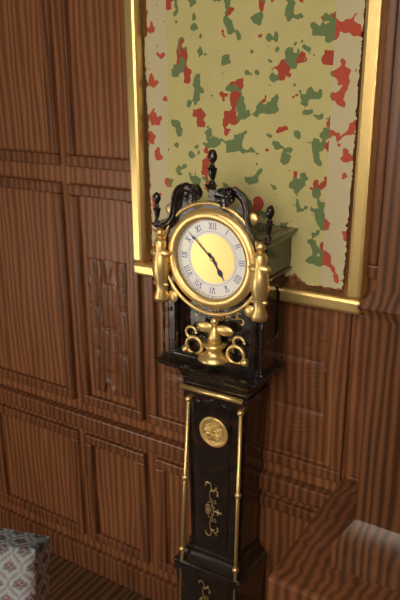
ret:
4:52
